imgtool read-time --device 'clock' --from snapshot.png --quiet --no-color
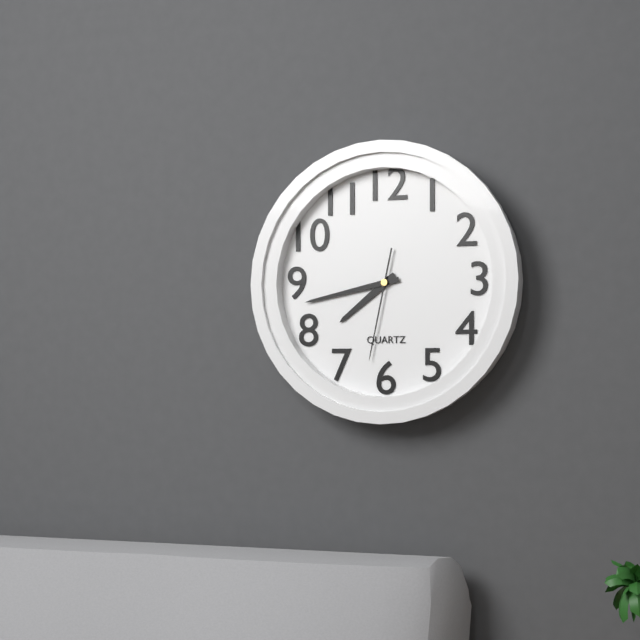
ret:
7:43:32
